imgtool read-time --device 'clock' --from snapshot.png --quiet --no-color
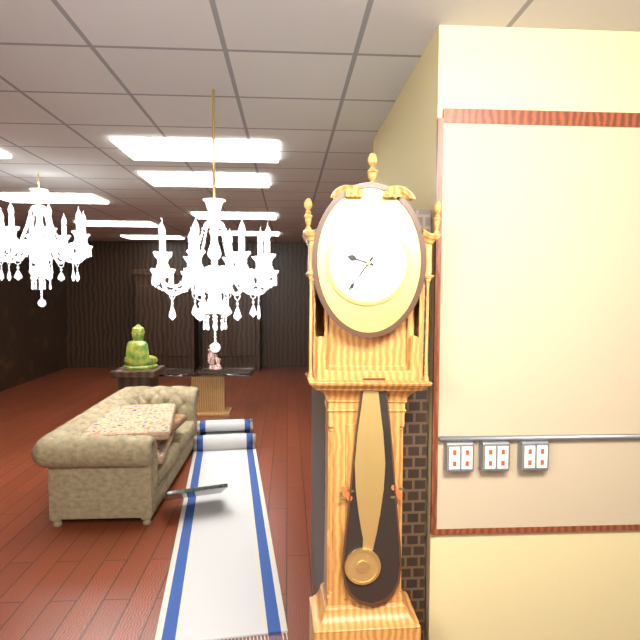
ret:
9:36
